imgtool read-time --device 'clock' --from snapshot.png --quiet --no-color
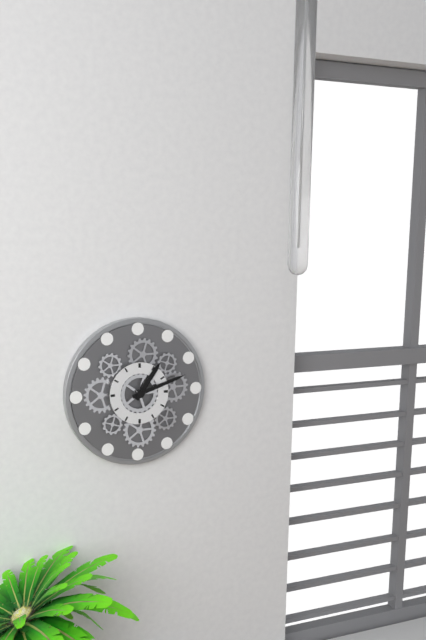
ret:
1:12
